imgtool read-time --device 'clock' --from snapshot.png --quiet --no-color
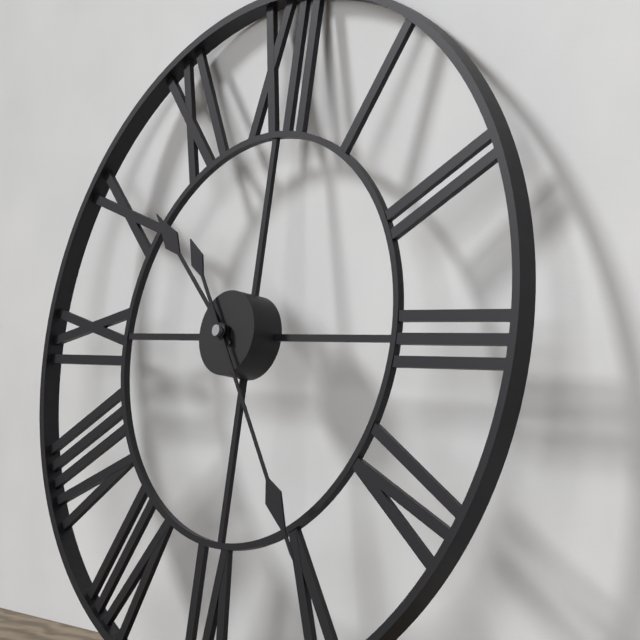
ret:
10:24
